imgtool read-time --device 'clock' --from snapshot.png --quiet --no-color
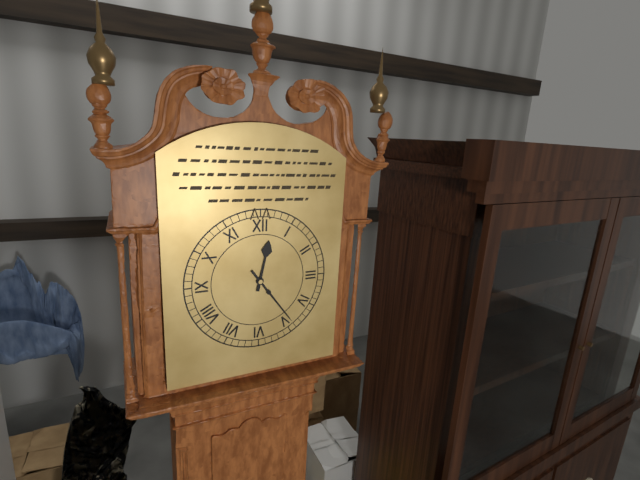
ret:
12:24
